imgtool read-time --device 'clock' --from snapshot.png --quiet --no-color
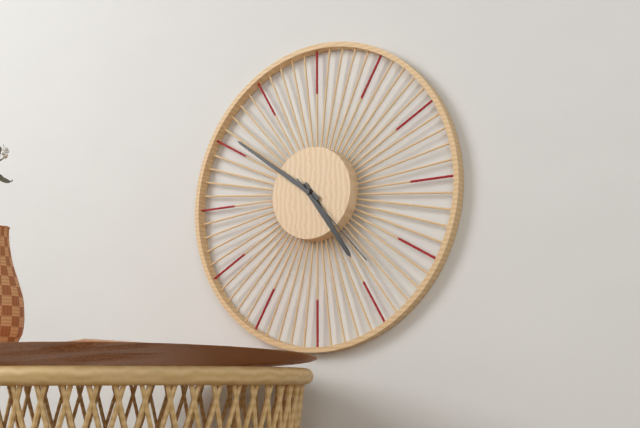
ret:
4:51:23
